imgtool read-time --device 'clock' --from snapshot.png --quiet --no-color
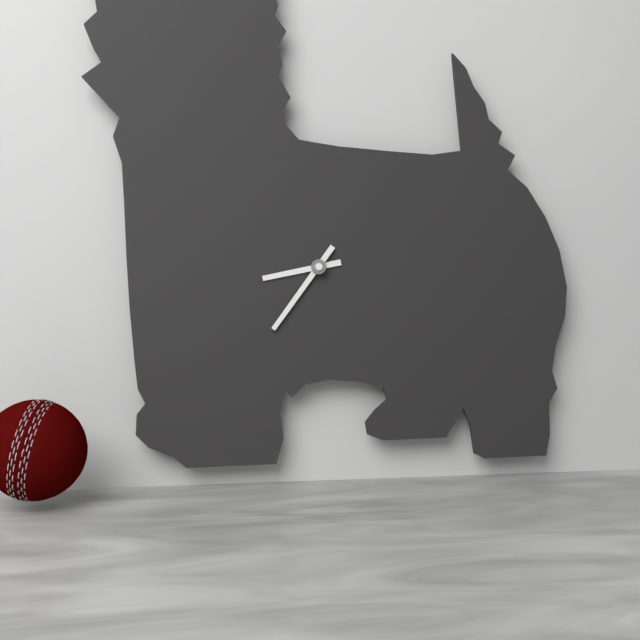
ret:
8:36
